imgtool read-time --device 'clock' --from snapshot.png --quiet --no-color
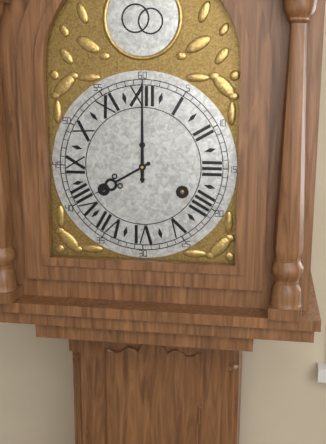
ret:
8:00
